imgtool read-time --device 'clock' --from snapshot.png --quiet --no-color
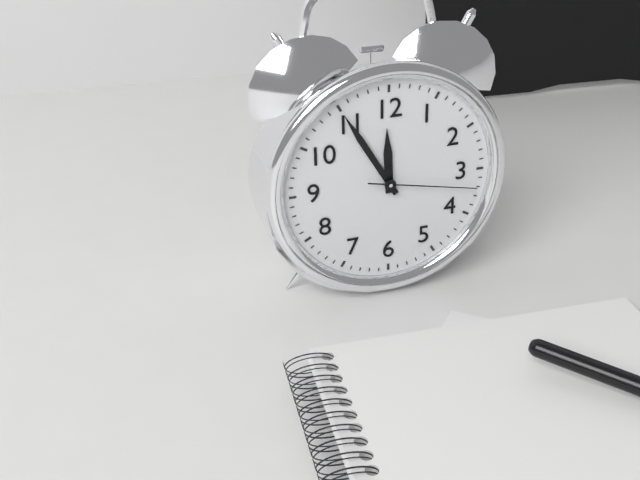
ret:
11:55:17
